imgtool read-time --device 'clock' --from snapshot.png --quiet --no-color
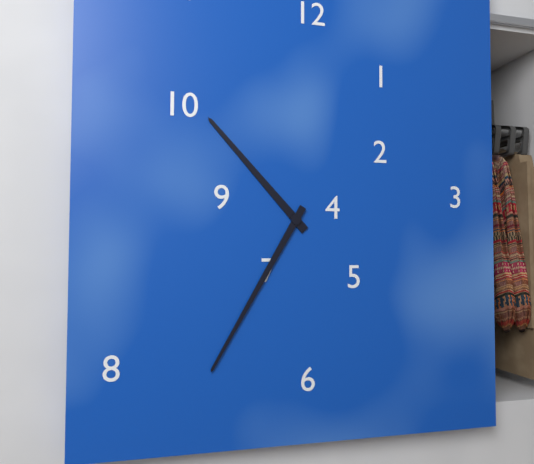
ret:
10:35
